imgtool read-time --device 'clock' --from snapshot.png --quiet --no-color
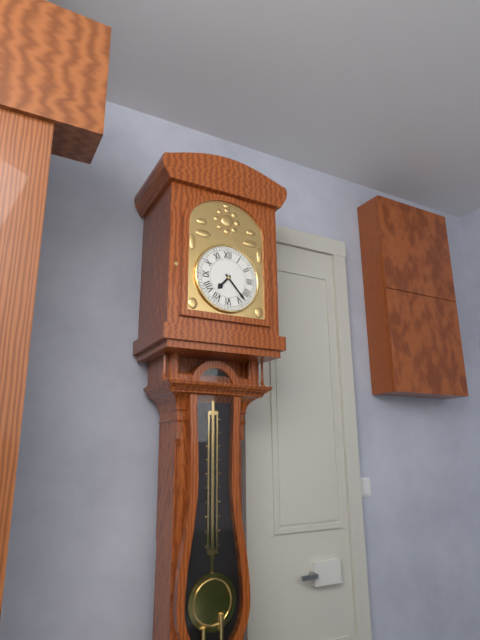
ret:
7:23
